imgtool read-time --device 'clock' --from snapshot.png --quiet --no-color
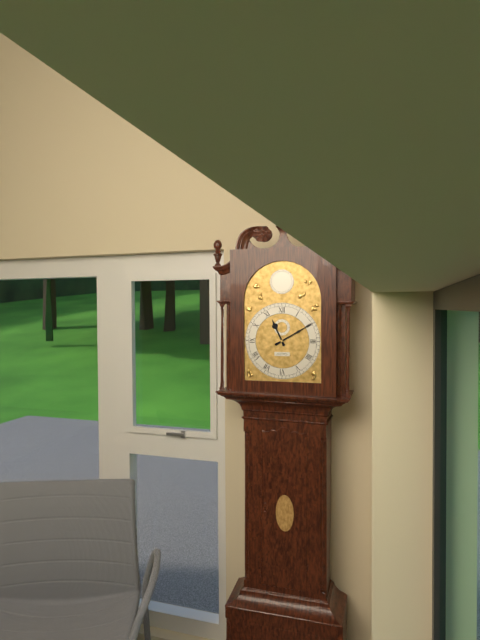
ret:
11:10
